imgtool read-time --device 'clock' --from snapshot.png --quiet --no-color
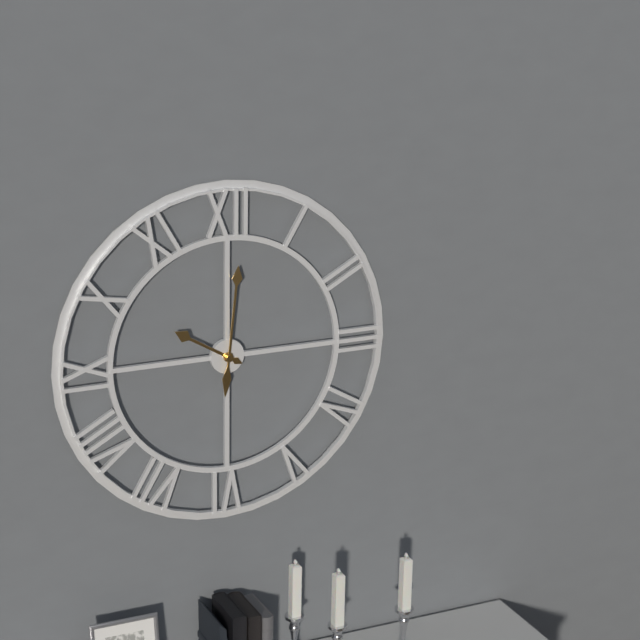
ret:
10:01
